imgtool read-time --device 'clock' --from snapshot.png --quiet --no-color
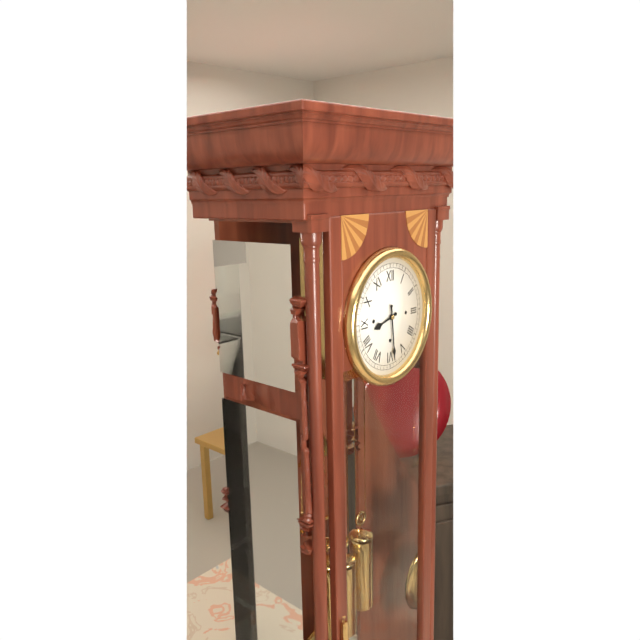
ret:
8:29
